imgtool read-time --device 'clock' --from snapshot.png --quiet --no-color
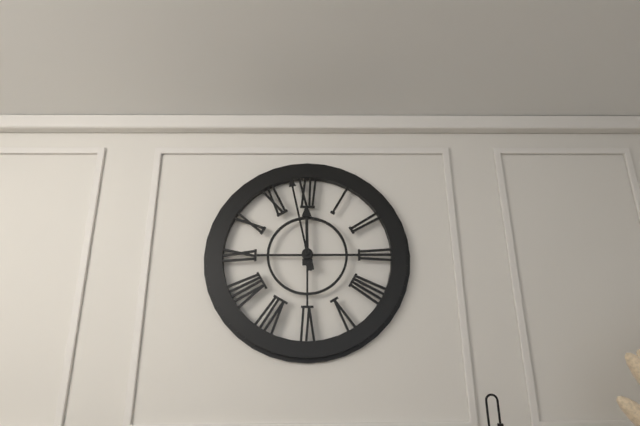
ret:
11:58
